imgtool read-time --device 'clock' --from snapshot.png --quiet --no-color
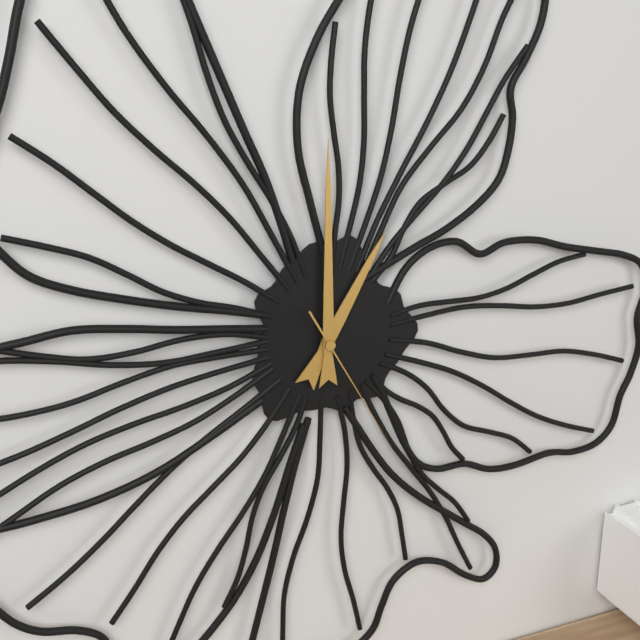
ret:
1:00:25
